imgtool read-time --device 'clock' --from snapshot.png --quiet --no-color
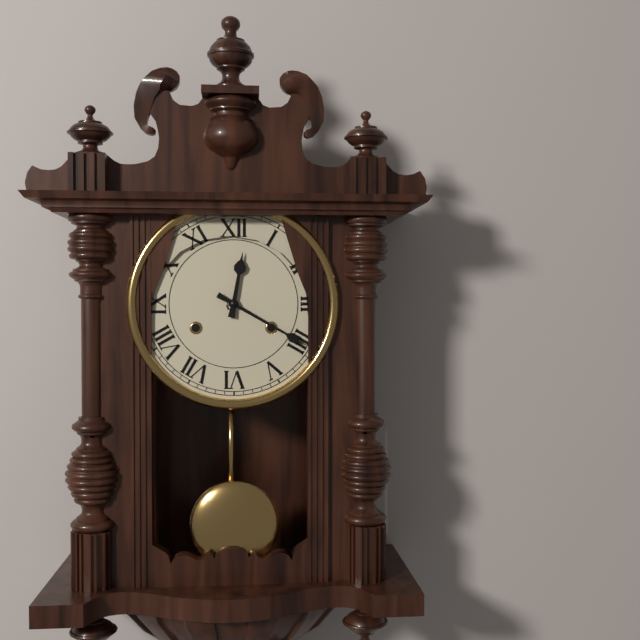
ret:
12:20
